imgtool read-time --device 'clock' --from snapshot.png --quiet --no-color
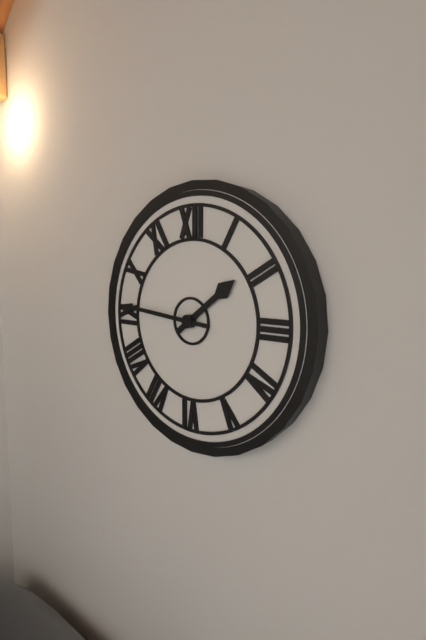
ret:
1:46
